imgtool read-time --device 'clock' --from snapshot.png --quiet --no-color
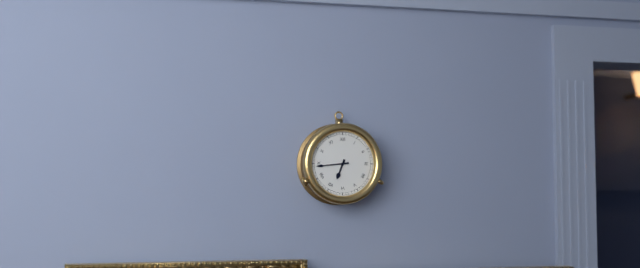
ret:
6:44
